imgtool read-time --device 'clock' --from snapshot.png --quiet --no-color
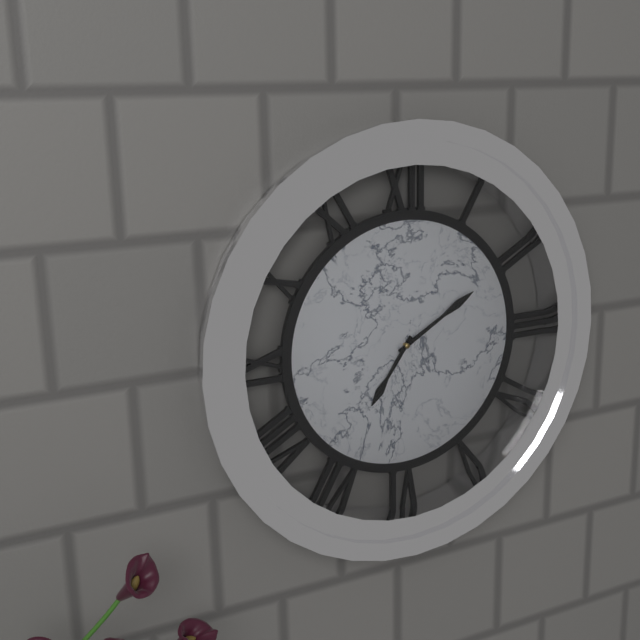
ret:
7:10
